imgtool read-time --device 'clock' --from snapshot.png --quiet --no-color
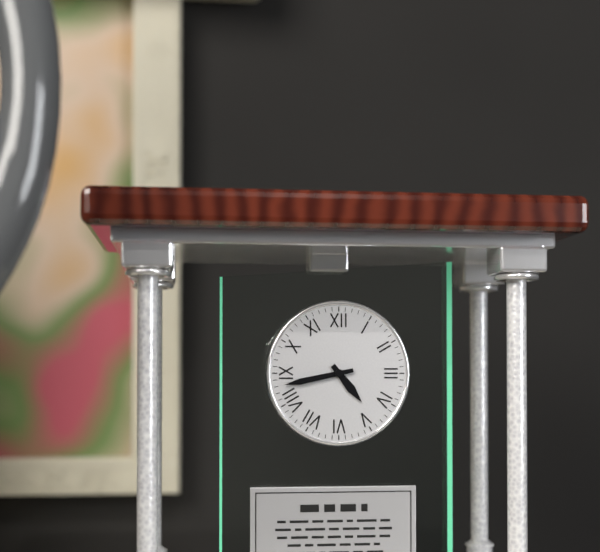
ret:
4:43
